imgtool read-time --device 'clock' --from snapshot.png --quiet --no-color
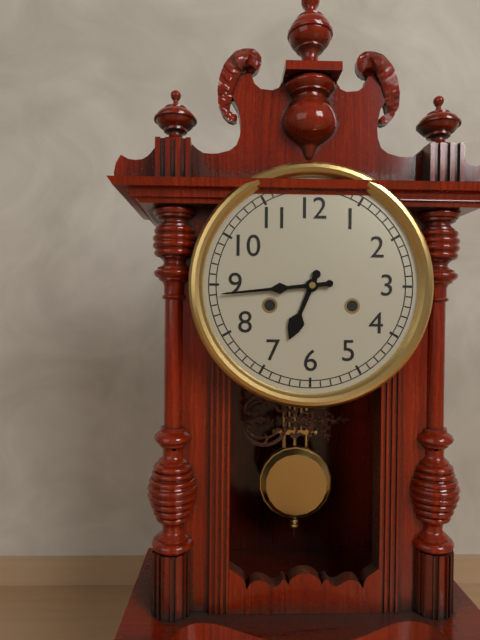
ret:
6:44
